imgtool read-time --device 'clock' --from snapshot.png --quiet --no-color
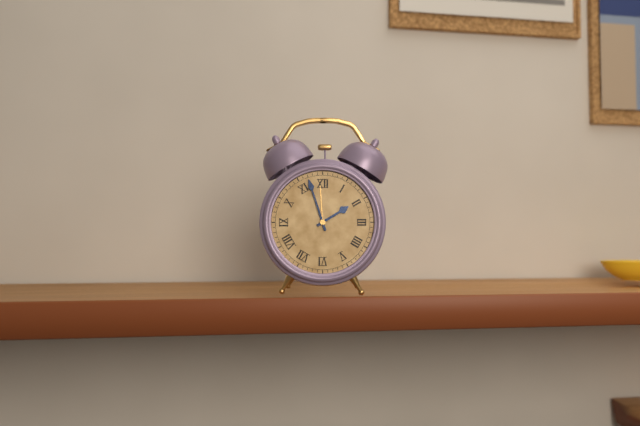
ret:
1:57
